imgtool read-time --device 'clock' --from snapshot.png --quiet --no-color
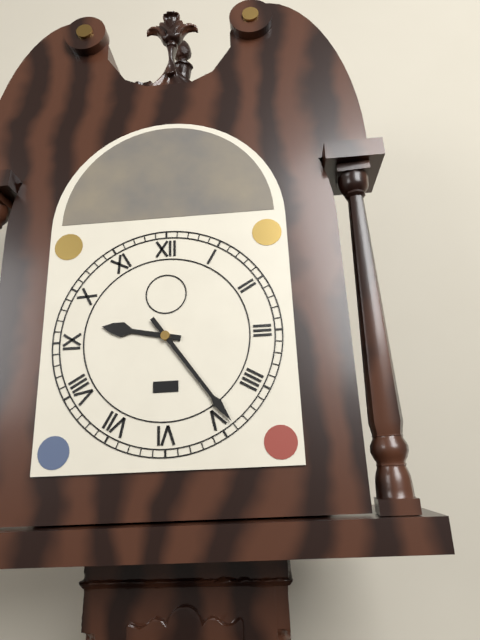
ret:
9:24
